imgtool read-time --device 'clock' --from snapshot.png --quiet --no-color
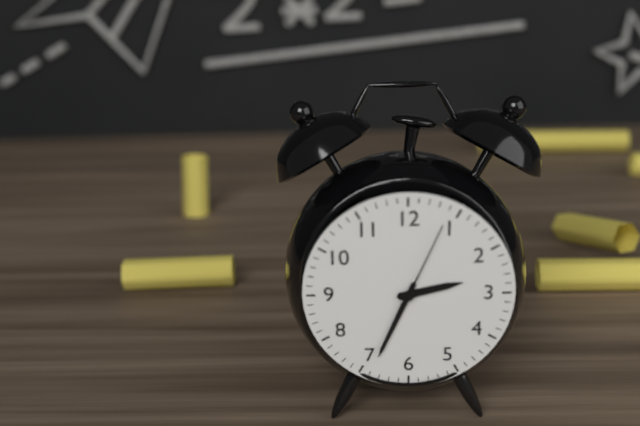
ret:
2:34:04
